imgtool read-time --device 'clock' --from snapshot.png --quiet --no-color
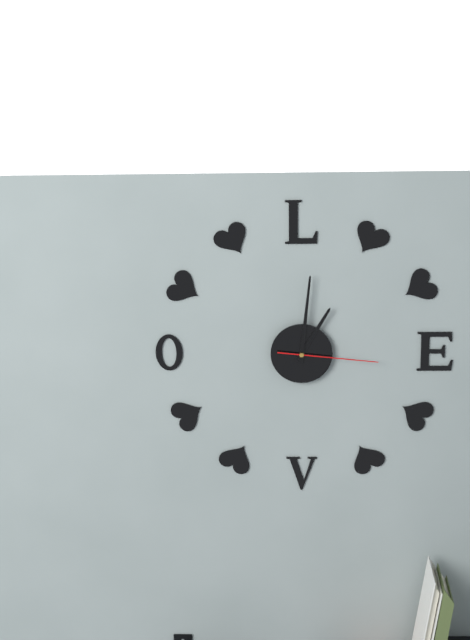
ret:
1:01:16
